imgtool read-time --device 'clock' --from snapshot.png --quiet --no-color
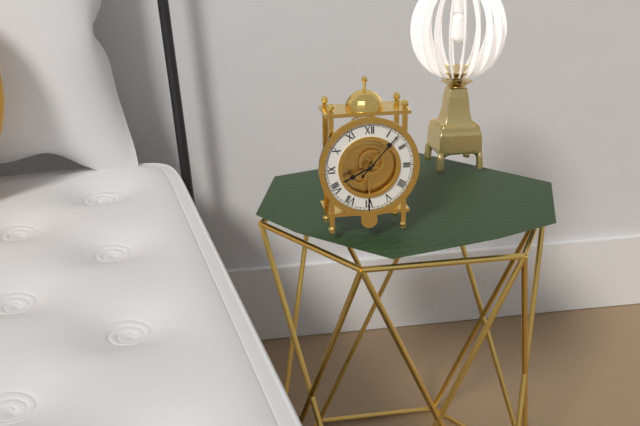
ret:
8:07
